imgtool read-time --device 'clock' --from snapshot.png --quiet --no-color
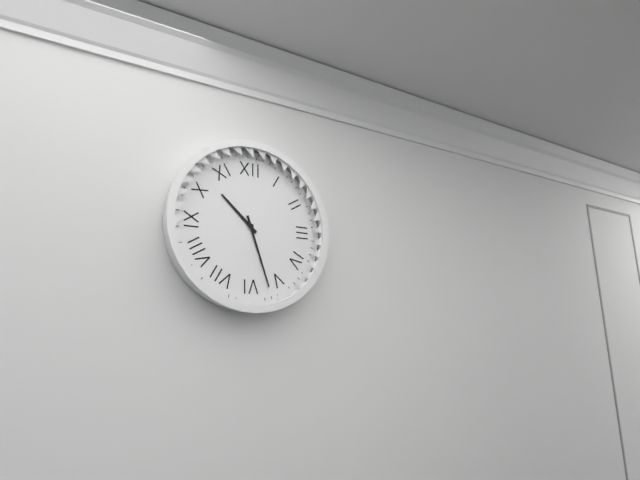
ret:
10:27
